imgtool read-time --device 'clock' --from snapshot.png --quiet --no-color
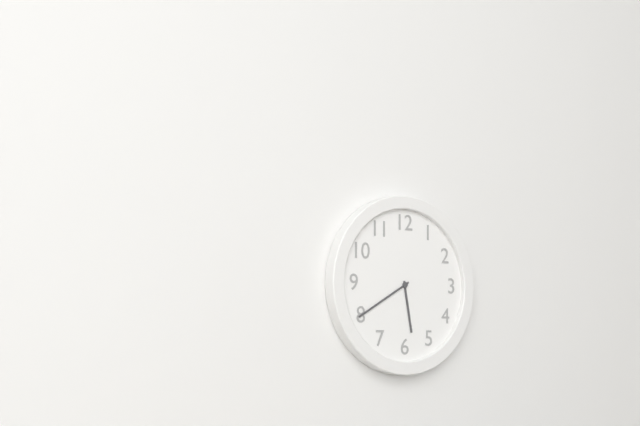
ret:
5:40
